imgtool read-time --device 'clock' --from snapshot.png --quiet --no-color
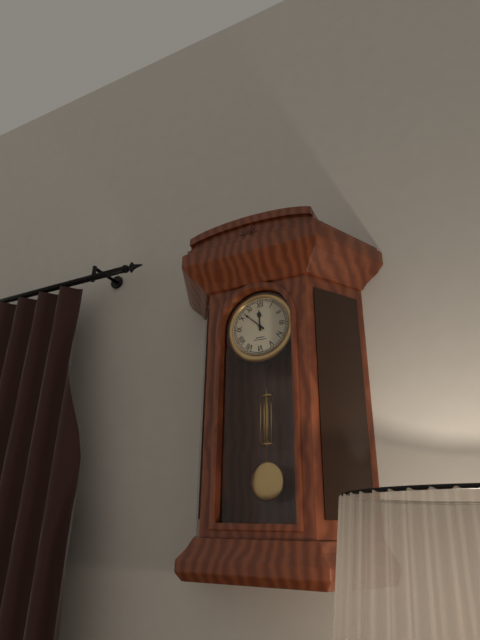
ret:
11:52
